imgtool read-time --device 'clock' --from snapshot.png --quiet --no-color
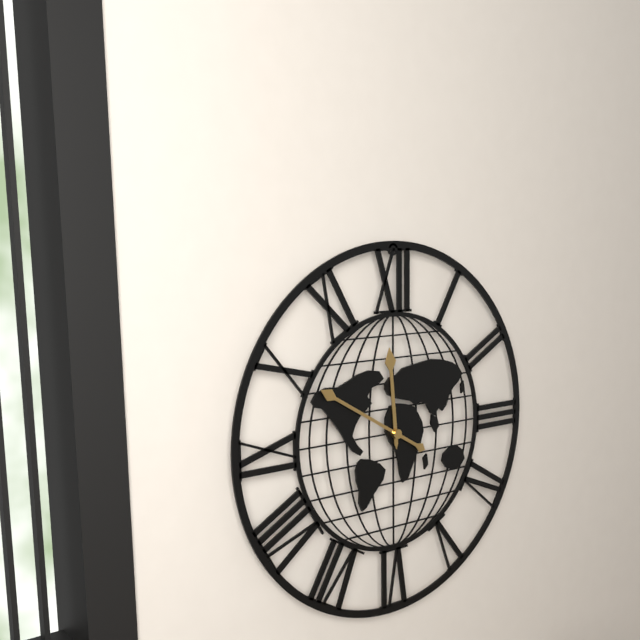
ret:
11:50
